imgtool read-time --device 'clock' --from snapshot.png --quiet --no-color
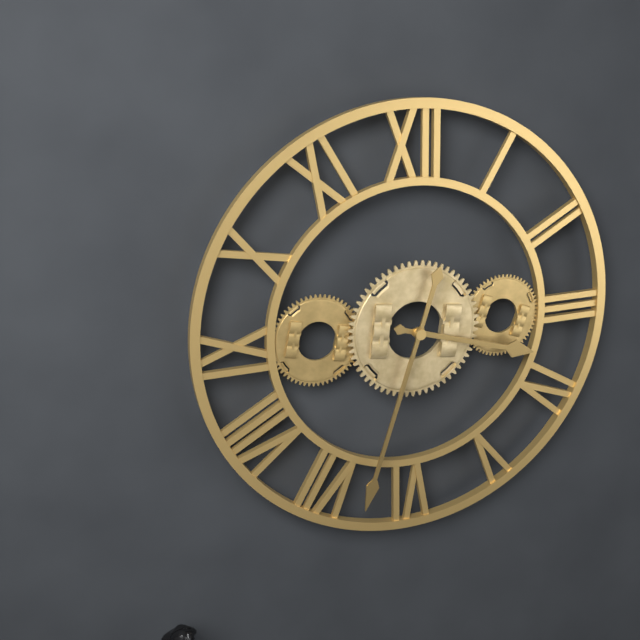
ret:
3:33
